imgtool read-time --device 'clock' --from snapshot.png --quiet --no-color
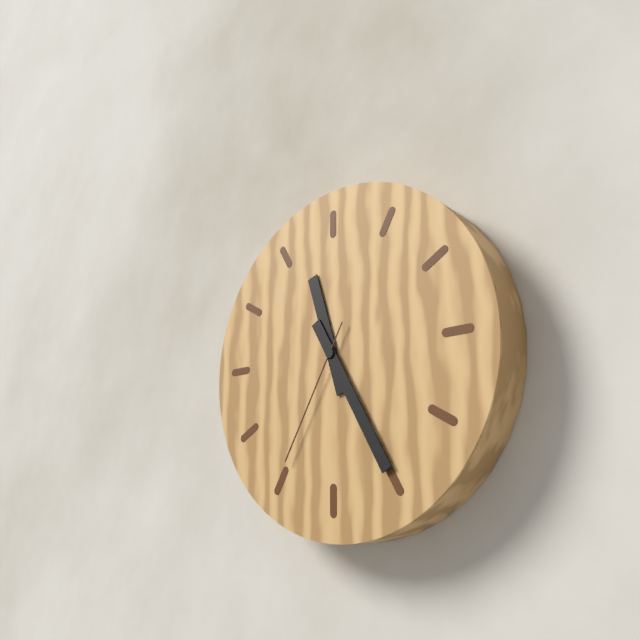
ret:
11:25:35
